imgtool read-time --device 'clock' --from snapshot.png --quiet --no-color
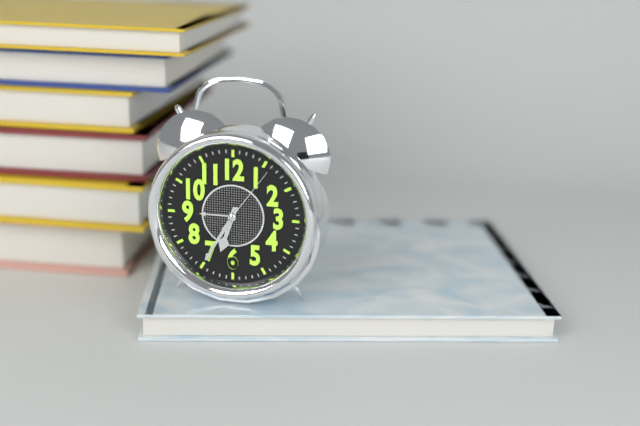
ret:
6:35:06
